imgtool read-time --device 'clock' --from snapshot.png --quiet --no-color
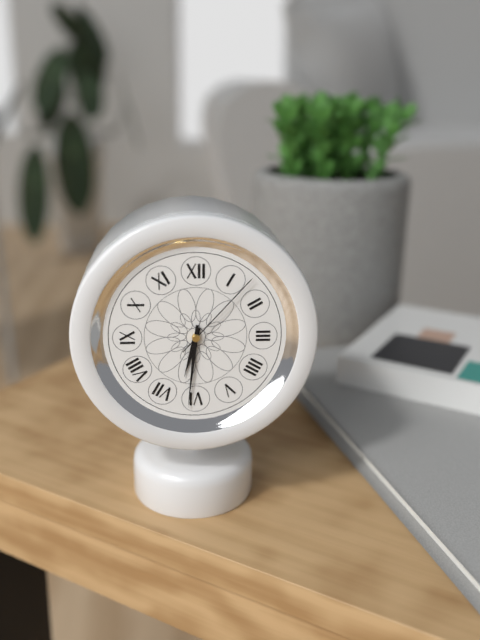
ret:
6:31:07
